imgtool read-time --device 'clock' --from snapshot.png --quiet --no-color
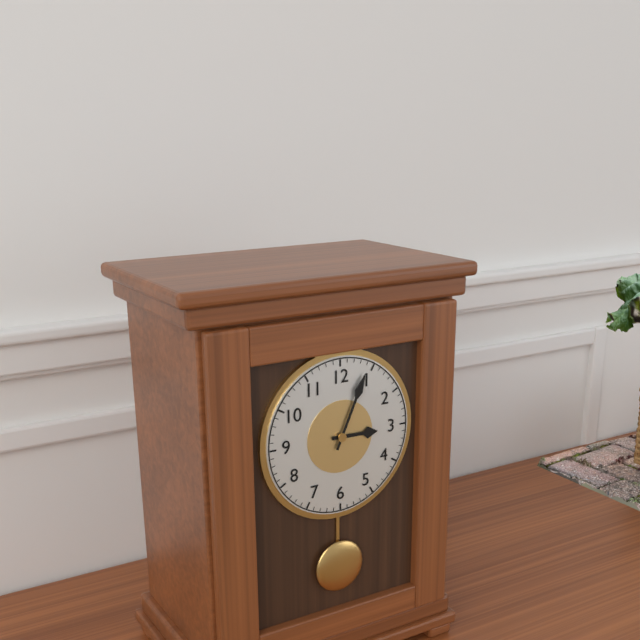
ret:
3:04
